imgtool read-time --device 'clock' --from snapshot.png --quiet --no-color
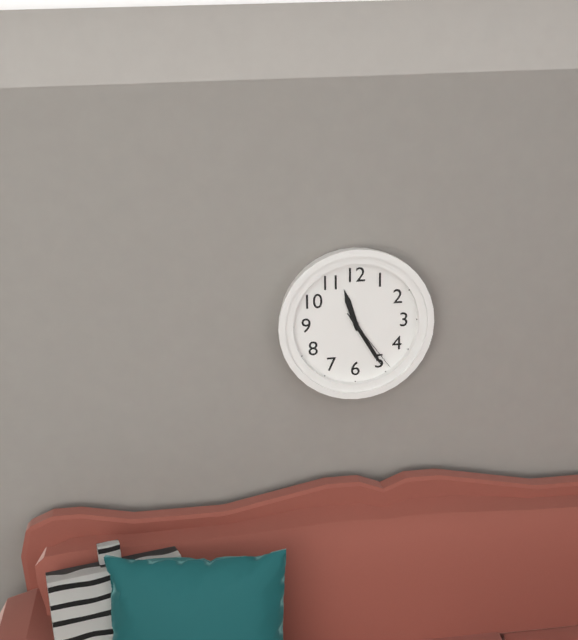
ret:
11:25:24
